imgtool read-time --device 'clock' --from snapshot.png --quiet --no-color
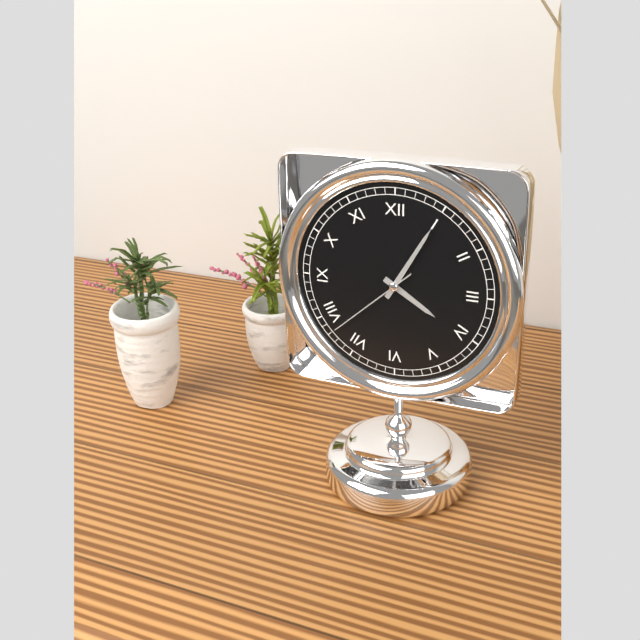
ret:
4:05:38
